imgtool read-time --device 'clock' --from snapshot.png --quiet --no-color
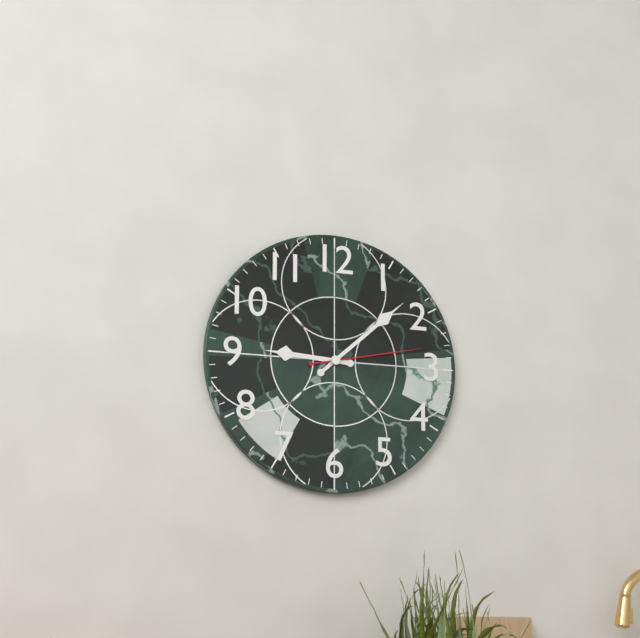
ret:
9:08:13
